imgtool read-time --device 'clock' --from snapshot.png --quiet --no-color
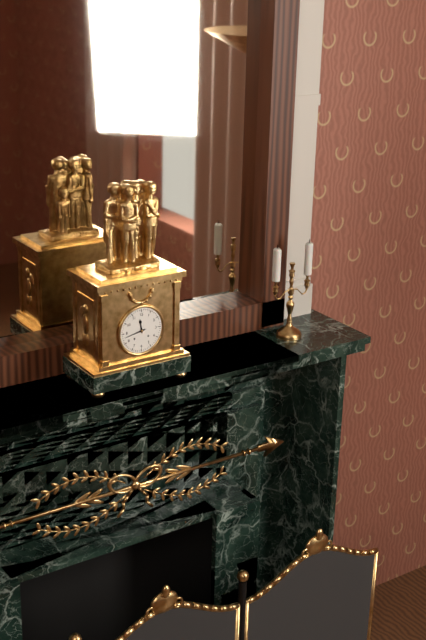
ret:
11:43
